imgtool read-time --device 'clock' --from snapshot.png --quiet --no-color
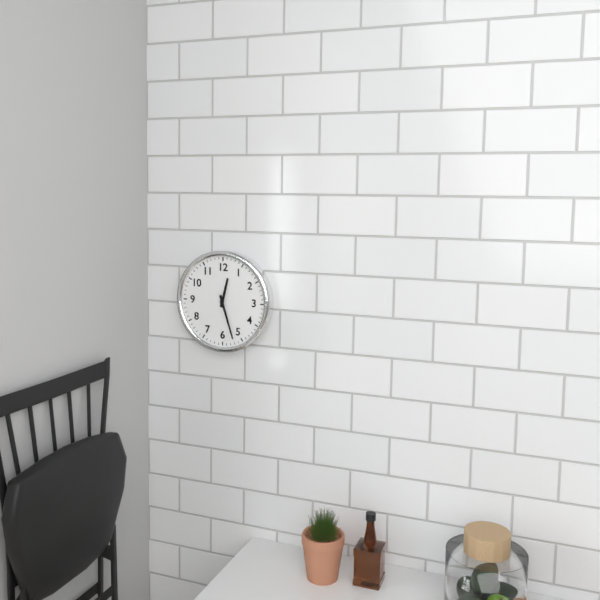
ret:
12:27
